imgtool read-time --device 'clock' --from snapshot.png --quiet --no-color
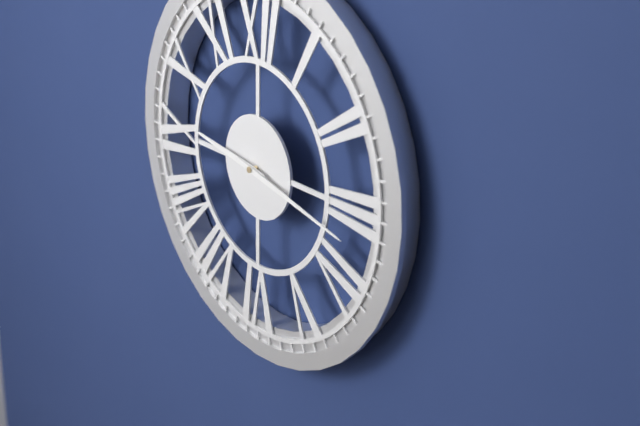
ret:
9:17
